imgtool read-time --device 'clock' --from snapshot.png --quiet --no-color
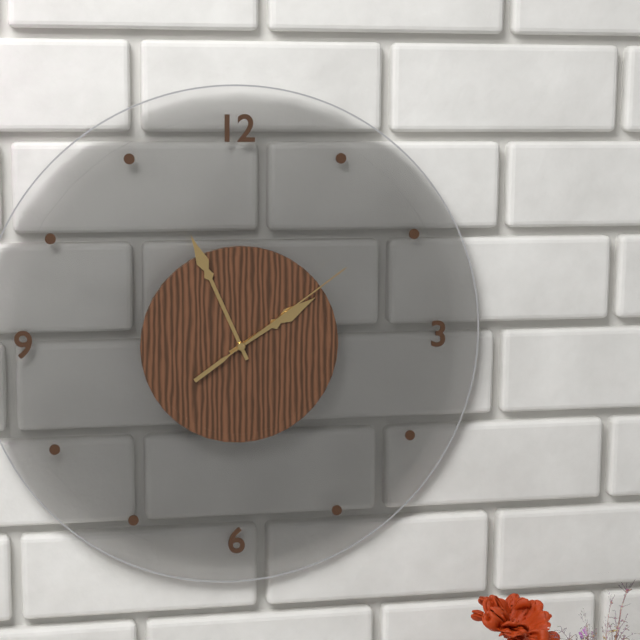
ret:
1:56:09
